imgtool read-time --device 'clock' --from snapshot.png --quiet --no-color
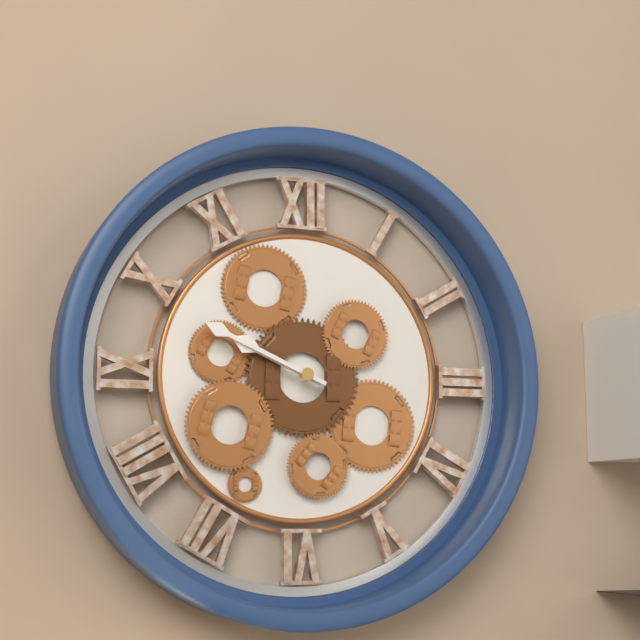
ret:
9:49
